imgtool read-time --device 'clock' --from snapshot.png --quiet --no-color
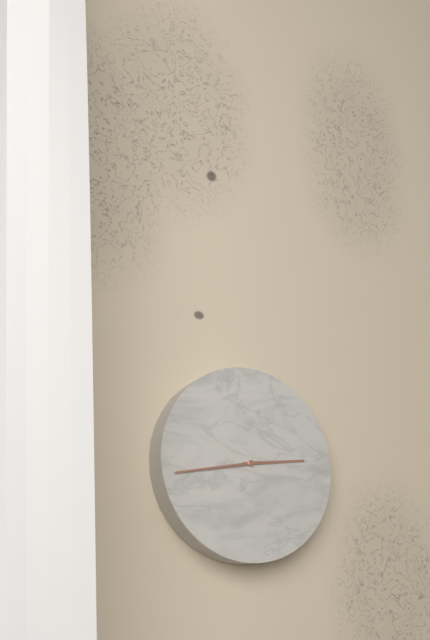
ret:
2:43
